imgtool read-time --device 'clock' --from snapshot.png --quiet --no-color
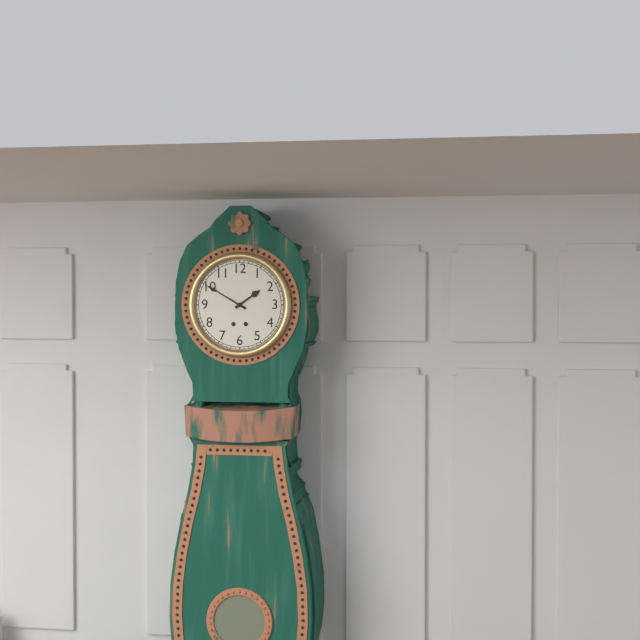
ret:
1:50
